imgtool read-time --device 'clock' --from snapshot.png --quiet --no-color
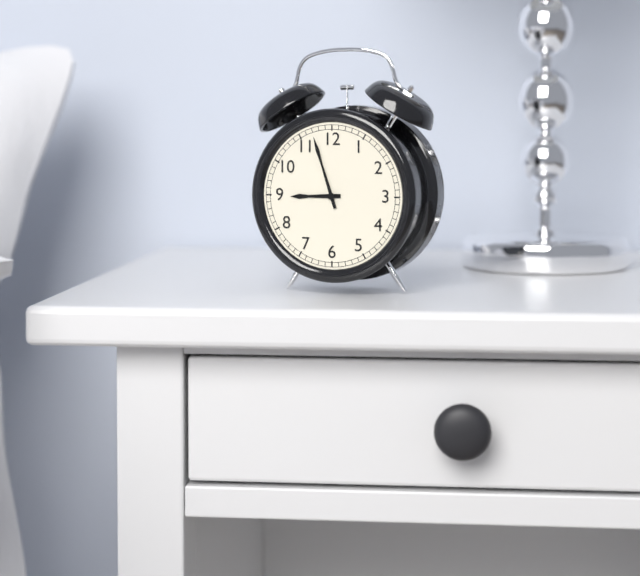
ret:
8:57
